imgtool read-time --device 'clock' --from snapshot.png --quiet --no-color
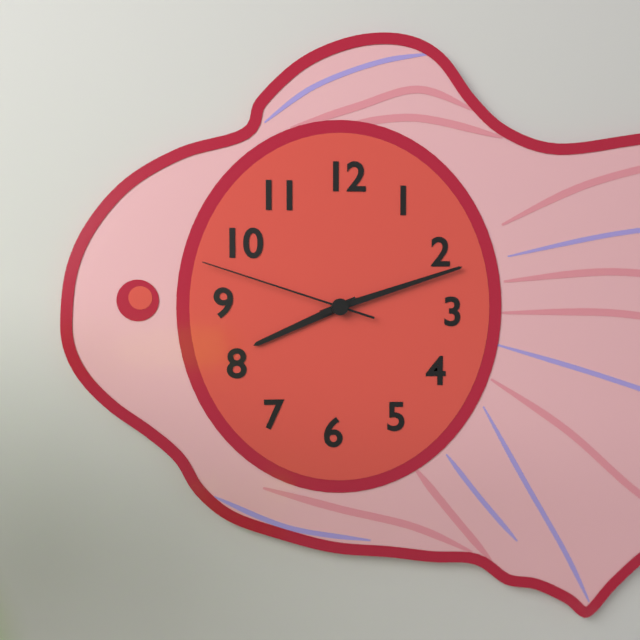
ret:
8:12:48
